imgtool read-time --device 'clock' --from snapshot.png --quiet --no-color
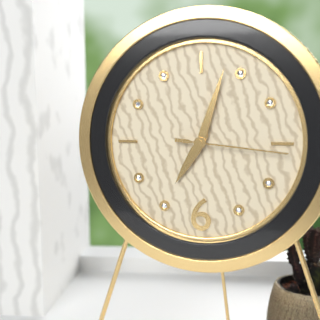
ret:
7:03:16
